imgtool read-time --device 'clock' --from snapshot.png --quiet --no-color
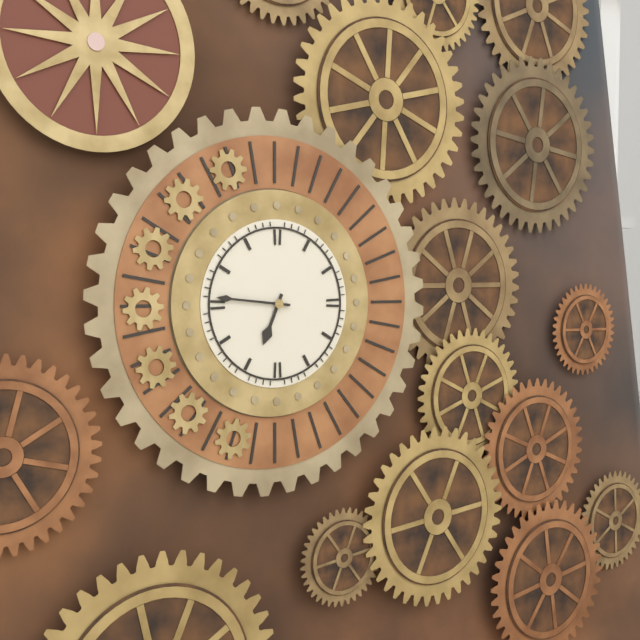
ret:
6:46
